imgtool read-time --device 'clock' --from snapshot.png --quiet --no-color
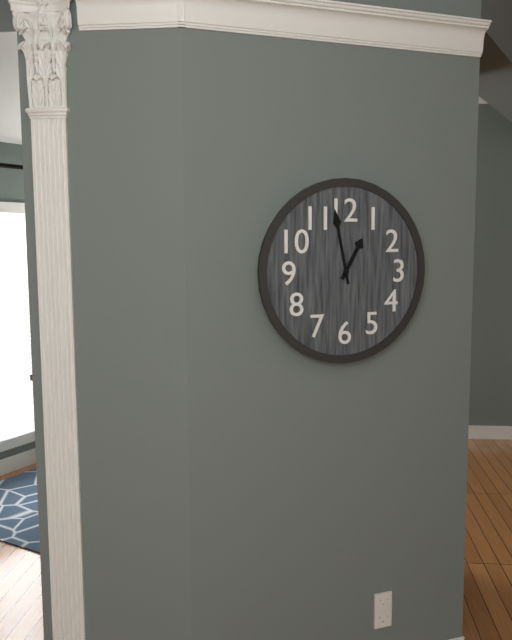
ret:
12:58
